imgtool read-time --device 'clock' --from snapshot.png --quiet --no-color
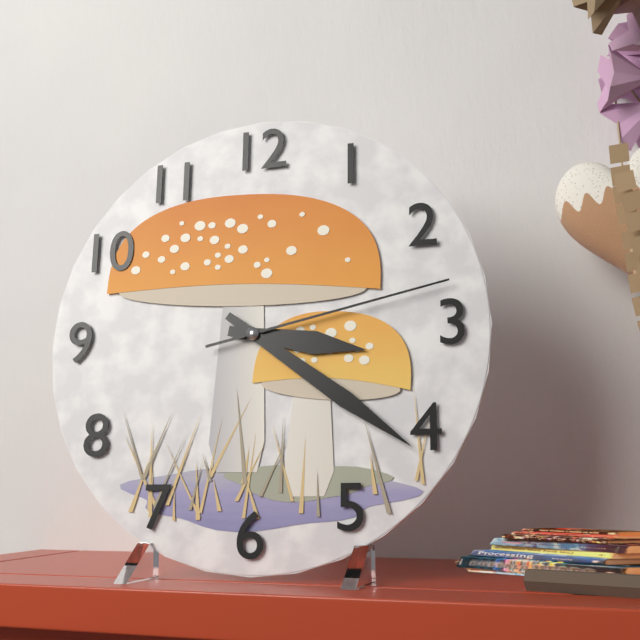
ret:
3:21:13
